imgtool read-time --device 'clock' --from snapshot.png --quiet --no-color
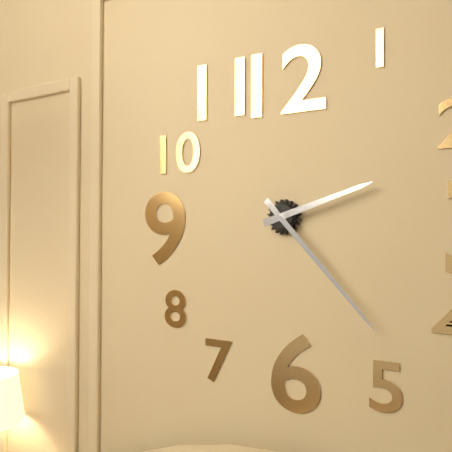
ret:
2:23
